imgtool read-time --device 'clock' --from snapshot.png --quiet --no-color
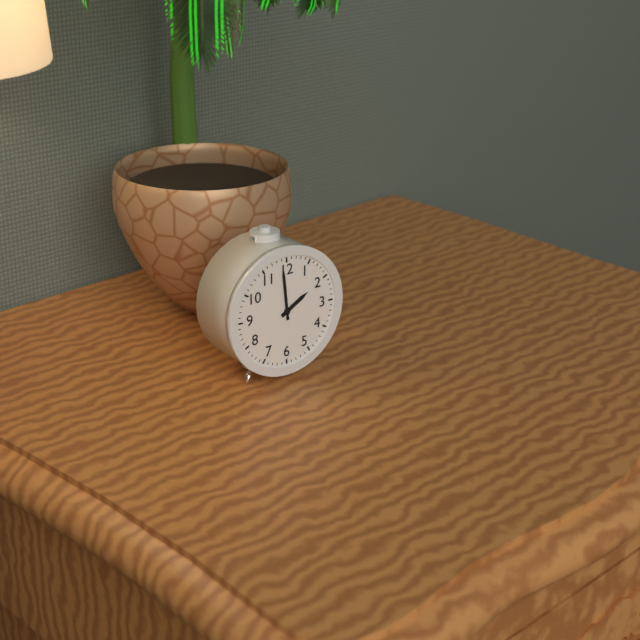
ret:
1:59
